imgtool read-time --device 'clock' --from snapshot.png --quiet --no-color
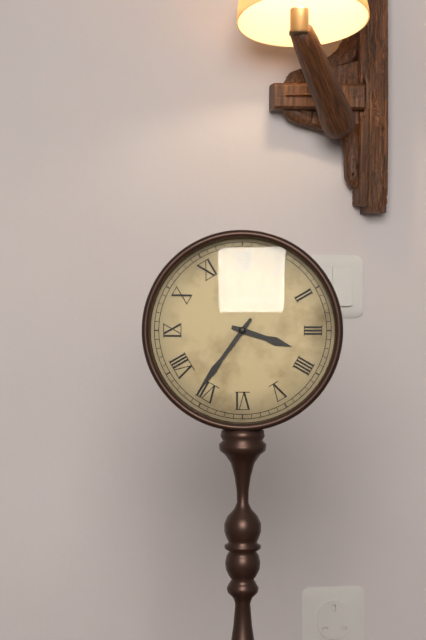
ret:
3:36
